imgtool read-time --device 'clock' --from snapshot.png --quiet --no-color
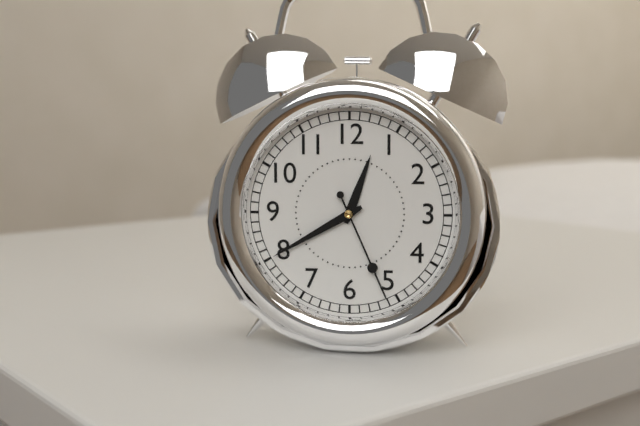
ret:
12:40:26
